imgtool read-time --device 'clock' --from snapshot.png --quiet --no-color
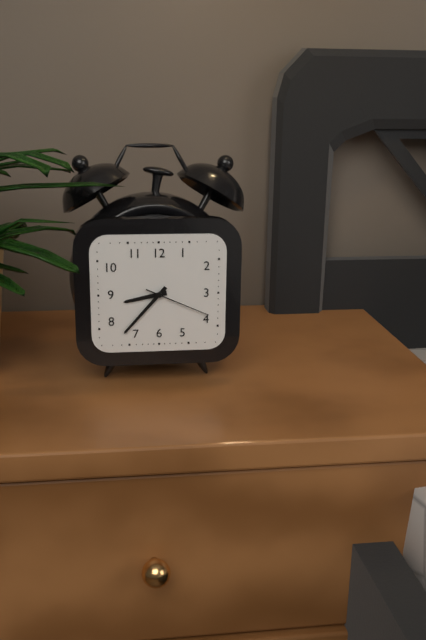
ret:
8:37:19
